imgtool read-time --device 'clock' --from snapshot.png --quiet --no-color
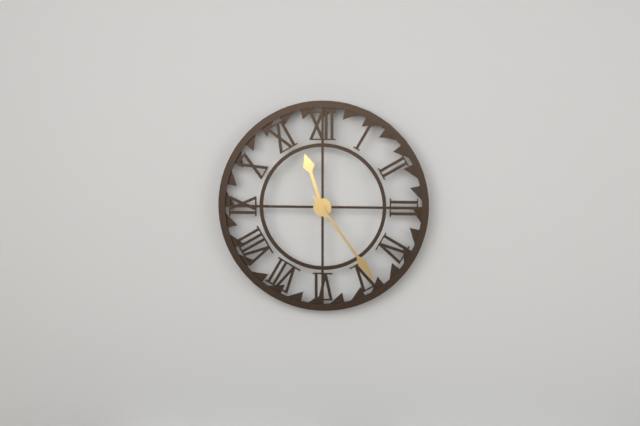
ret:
11:24
